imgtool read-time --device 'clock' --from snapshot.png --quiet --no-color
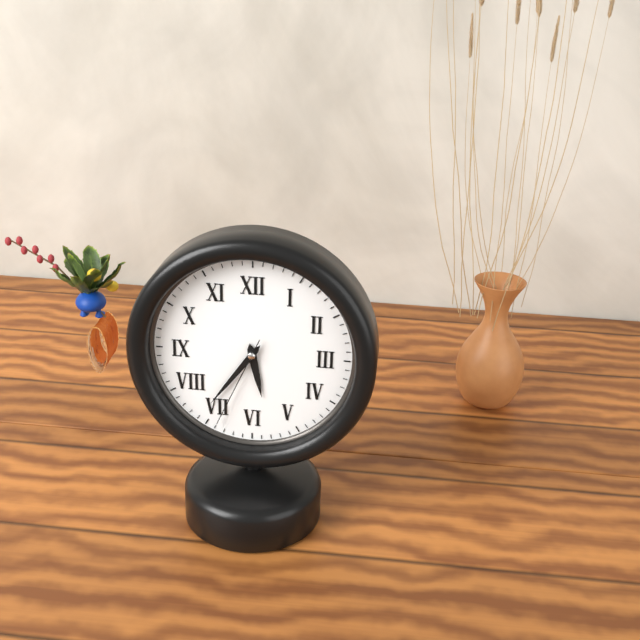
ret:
5:36:34
